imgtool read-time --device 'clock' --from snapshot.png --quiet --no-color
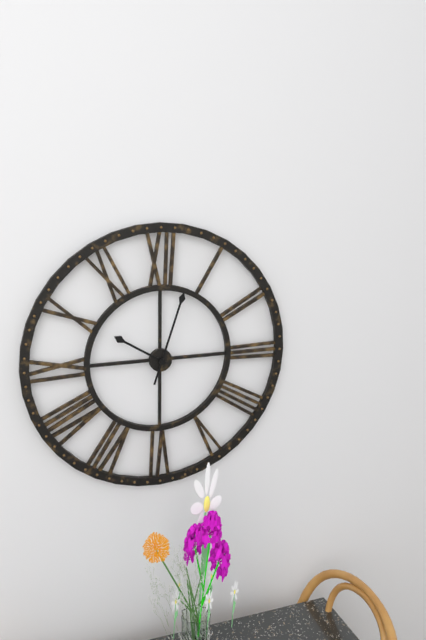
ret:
10:03
